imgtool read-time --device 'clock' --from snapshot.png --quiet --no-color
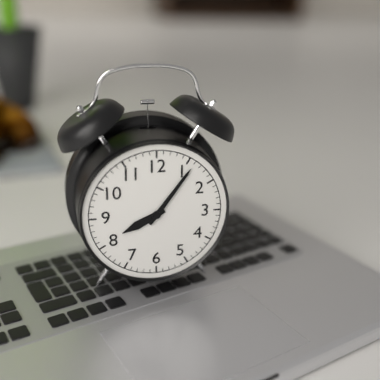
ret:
8:06
